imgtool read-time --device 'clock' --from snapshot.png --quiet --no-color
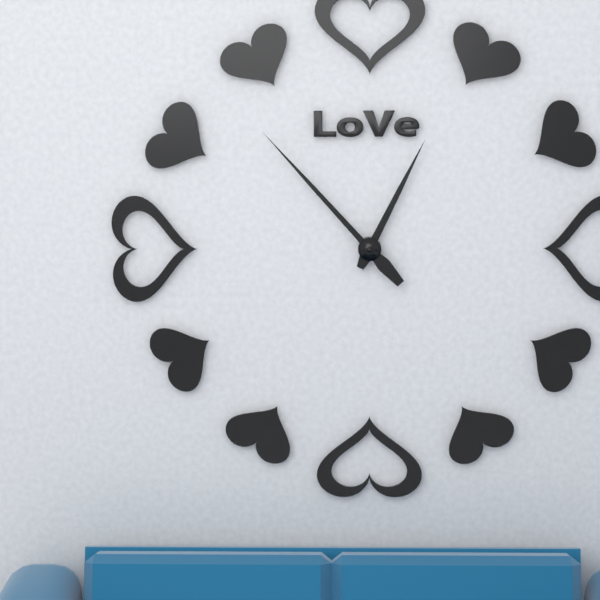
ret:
12:53
